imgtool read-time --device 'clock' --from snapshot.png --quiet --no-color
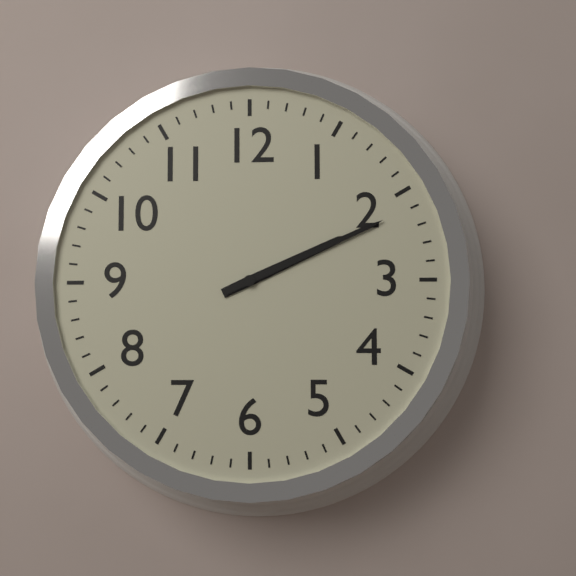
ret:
2:11
